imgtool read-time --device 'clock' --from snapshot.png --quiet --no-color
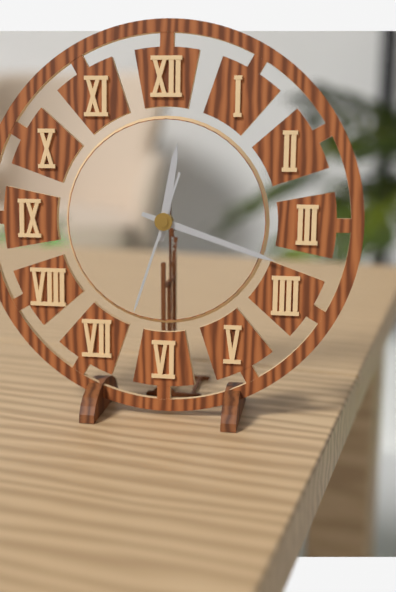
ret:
12:18:33
